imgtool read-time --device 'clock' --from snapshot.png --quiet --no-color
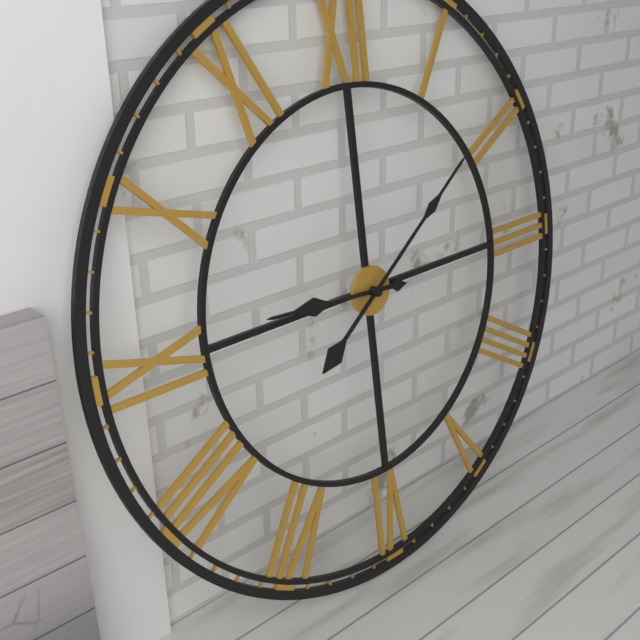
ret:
9:09
